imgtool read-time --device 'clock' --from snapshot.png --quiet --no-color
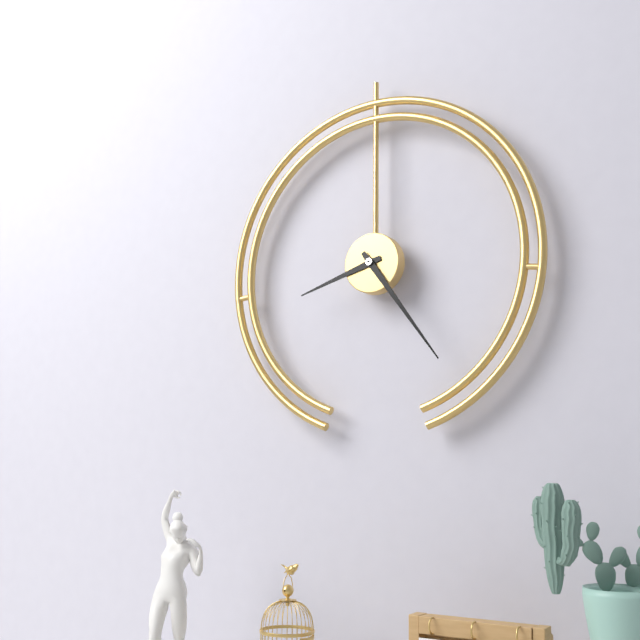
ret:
8:24
